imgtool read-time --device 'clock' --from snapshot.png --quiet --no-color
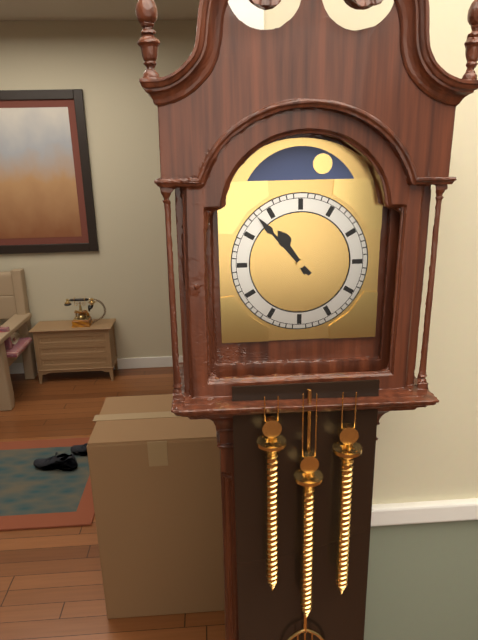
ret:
10:53
